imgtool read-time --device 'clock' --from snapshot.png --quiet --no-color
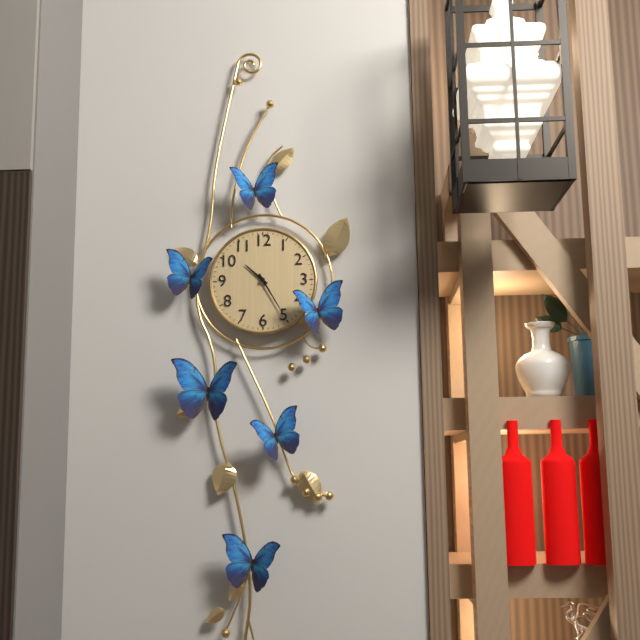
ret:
10:25
